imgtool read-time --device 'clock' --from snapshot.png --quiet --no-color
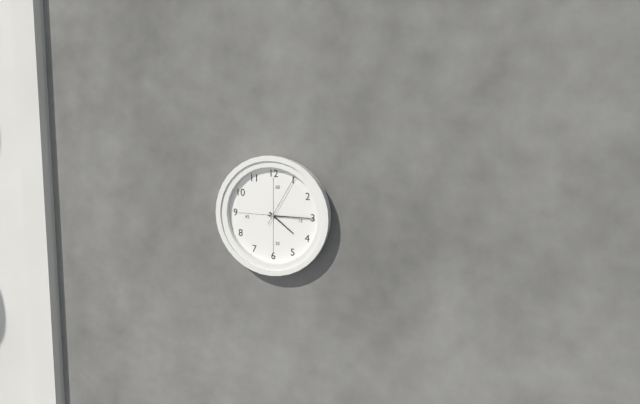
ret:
4:15:05
